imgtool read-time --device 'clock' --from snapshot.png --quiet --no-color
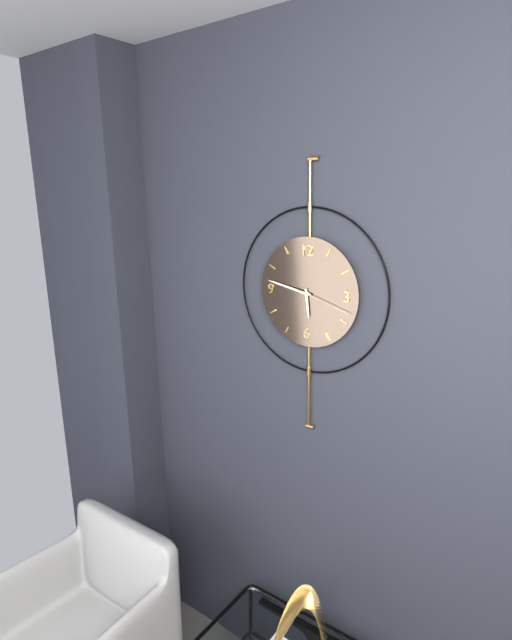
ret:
5:47:18
